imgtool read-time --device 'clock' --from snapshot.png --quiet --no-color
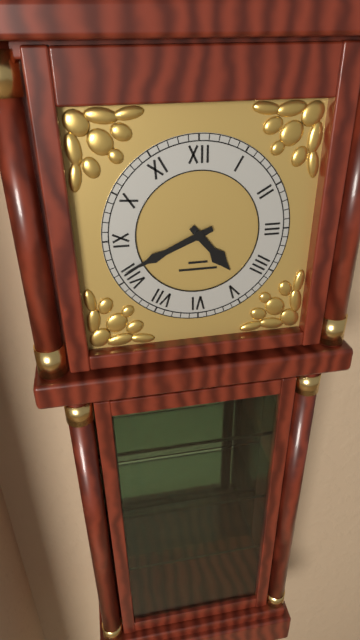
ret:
4:41
